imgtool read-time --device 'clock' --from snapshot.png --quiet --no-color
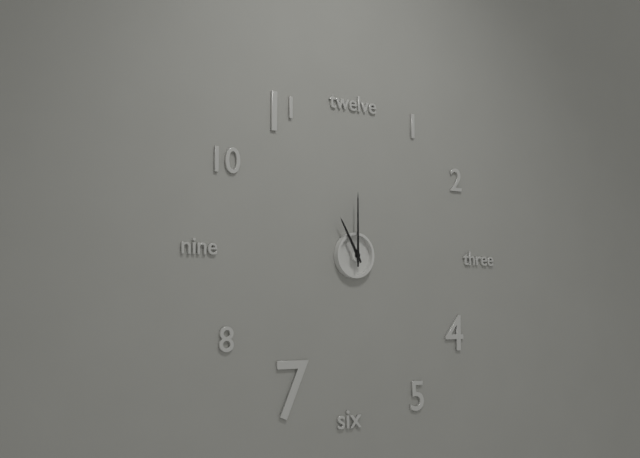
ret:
11:00
